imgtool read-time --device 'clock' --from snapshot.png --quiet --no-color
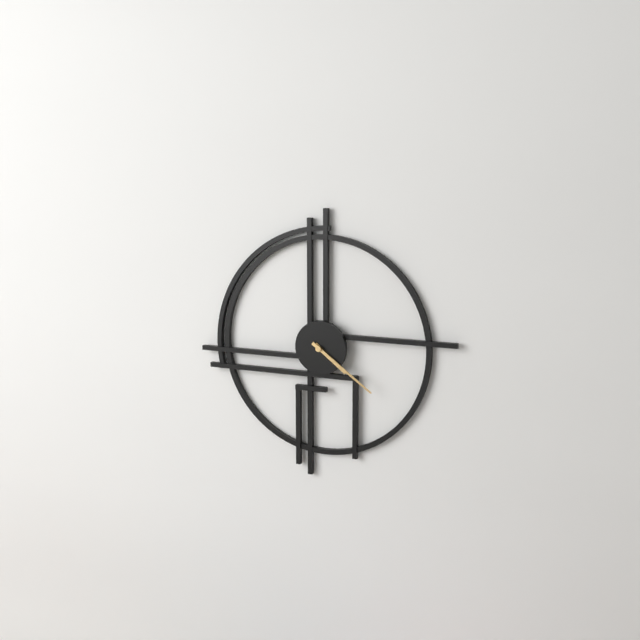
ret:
4:21
